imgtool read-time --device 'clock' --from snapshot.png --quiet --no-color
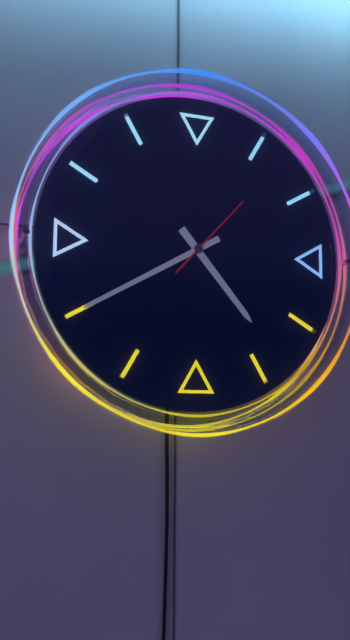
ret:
4:40:07
